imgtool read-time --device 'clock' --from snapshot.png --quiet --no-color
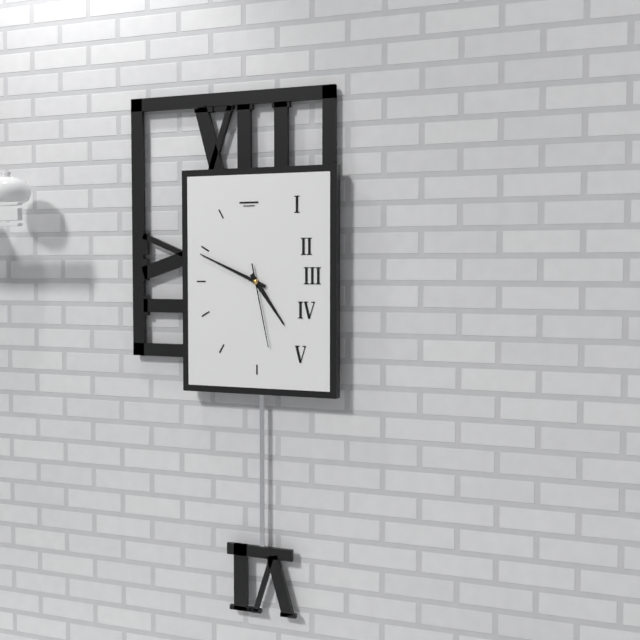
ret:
4:49:28
